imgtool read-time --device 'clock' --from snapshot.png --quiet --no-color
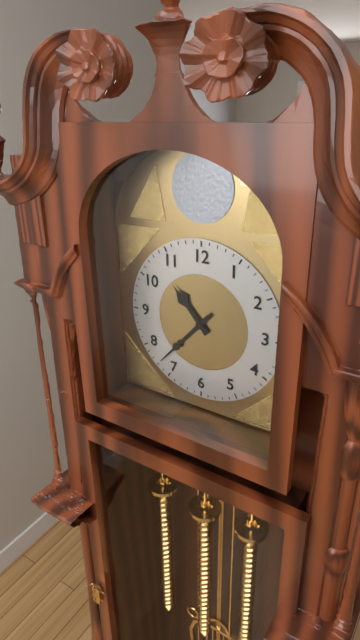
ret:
10:37
